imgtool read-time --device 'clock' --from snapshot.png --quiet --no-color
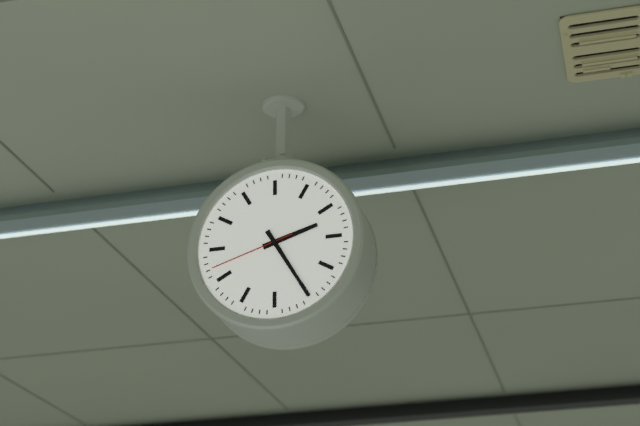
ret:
2:25:42
